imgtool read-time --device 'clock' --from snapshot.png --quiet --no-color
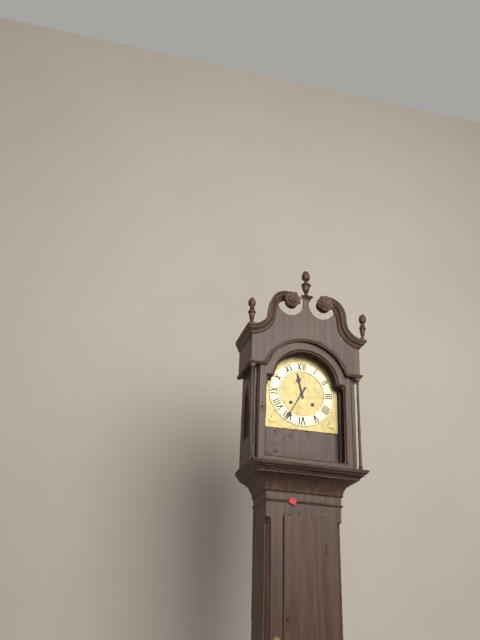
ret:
11:35
